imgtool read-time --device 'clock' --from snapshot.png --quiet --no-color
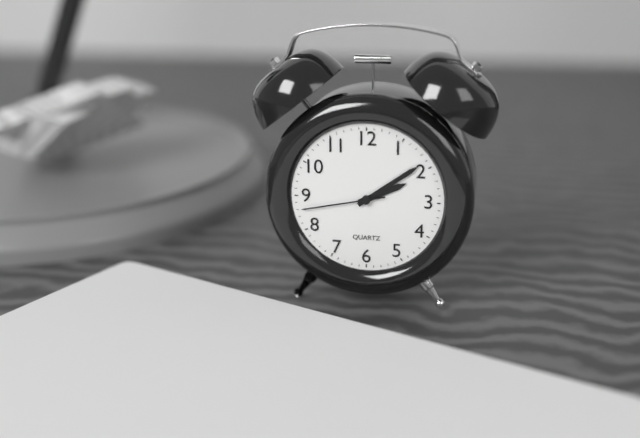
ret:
2:09:43
